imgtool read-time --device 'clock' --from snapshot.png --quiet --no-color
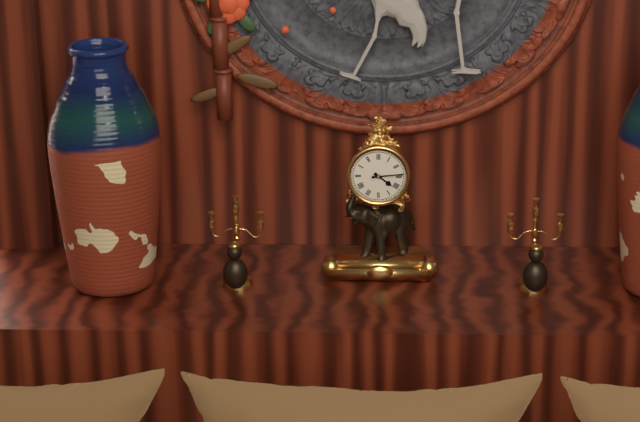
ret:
4:14
